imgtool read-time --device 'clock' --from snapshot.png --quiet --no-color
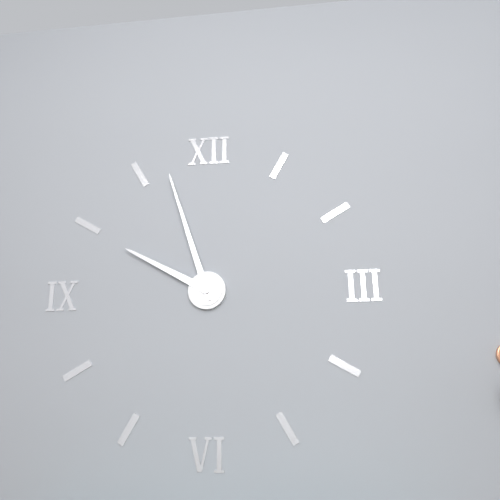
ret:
9:57
